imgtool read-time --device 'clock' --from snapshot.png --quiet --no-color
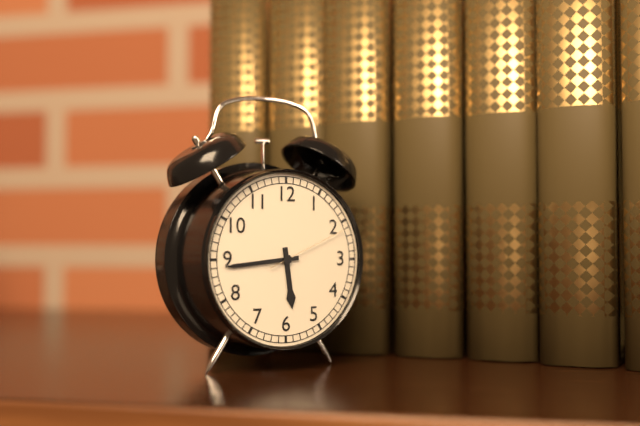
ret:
5:44:11
